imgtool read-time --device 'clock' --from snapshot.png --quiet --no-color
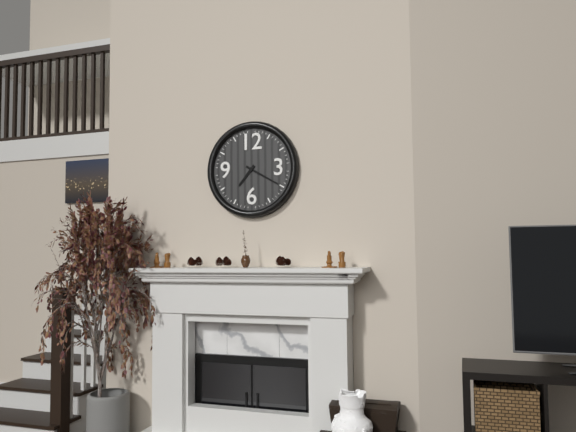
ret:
7:20
